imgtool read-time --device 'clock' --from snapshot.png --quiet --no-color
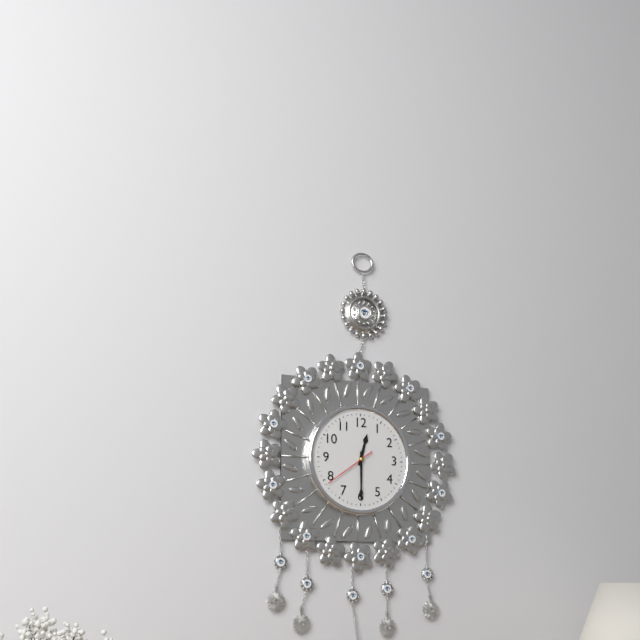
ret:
12:30
